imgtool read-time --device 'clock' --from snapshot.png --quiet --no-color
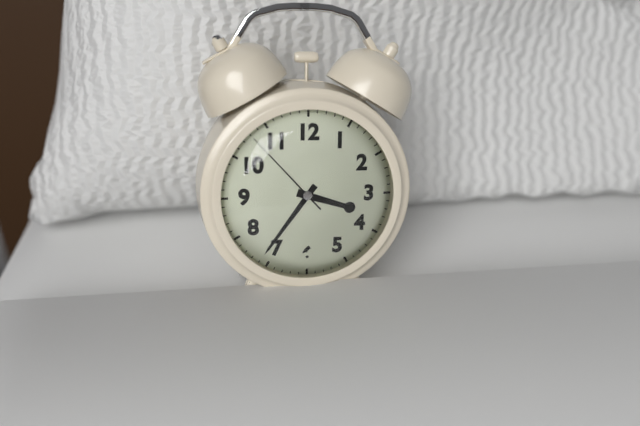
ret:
3:36:53
